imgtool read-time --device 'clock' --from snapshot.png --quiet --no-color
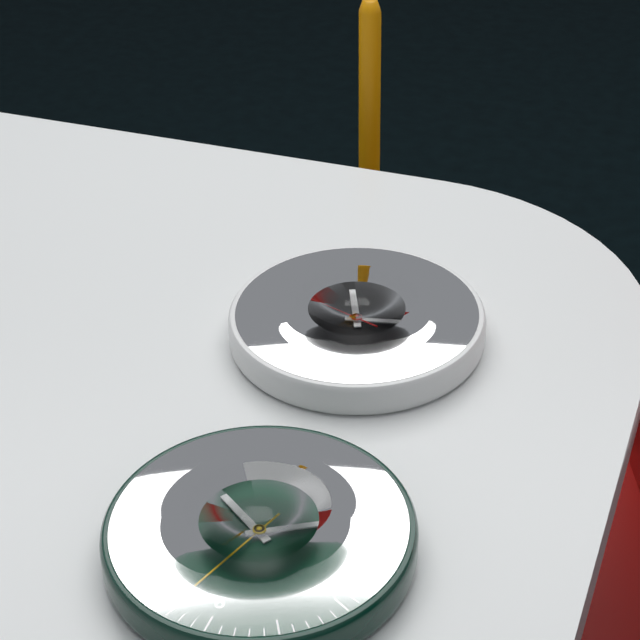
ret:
11:13:48
